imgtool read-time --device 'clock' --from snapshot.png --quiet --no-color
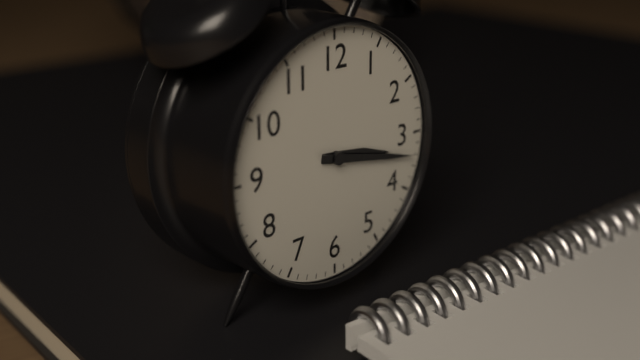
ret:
3:17
